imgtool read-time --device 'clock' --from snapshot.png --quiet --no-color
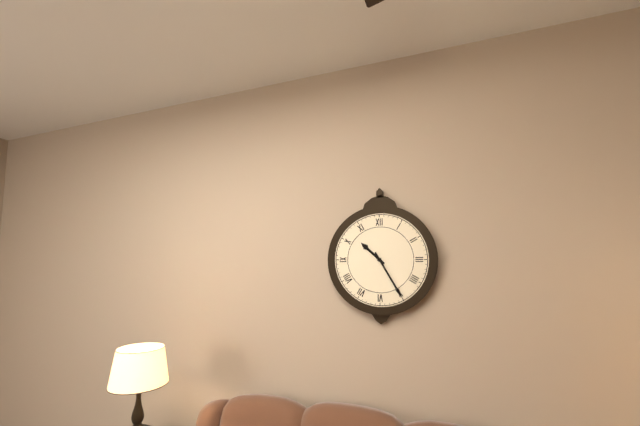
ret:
10:25
